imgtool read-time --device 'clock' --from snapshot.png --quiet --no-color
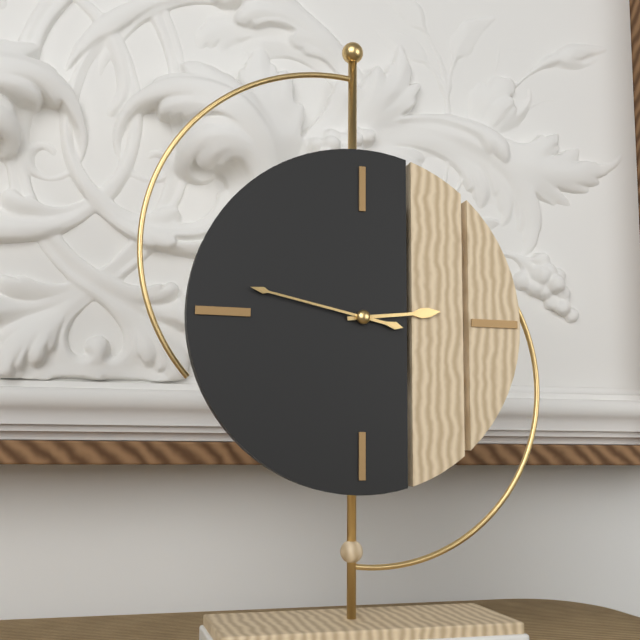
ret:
2:47
